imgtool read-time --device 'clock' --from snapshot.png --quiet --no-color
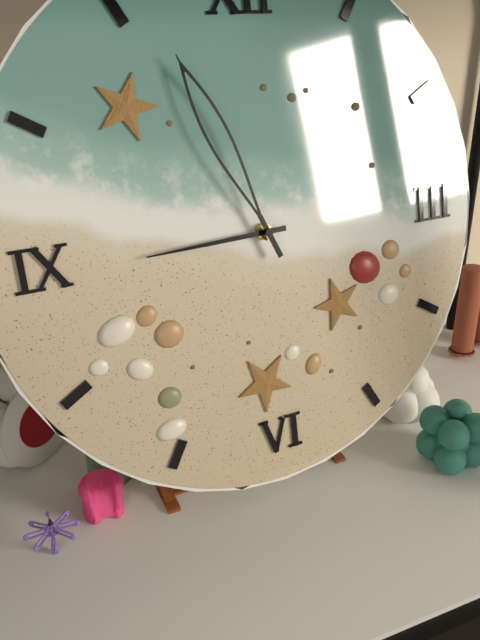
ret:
8:56
